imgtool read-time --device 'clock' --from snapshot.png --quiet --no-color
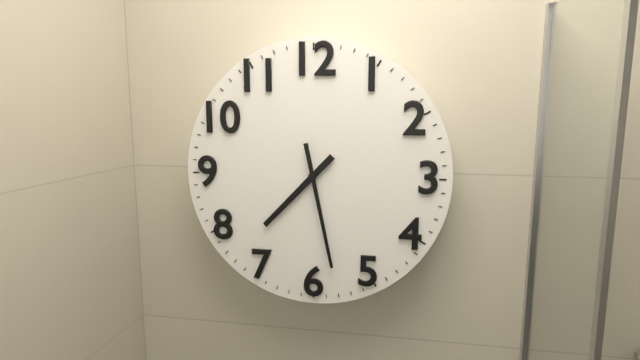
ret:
7:28
